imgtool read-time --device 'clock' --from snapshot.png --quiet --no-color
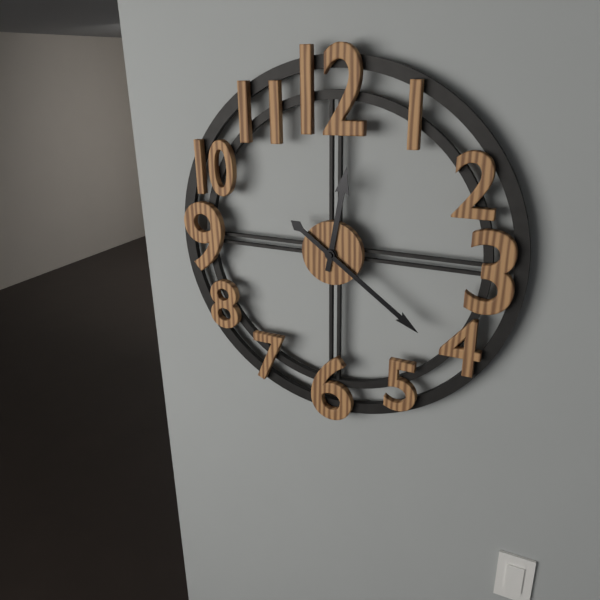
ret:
12:21
